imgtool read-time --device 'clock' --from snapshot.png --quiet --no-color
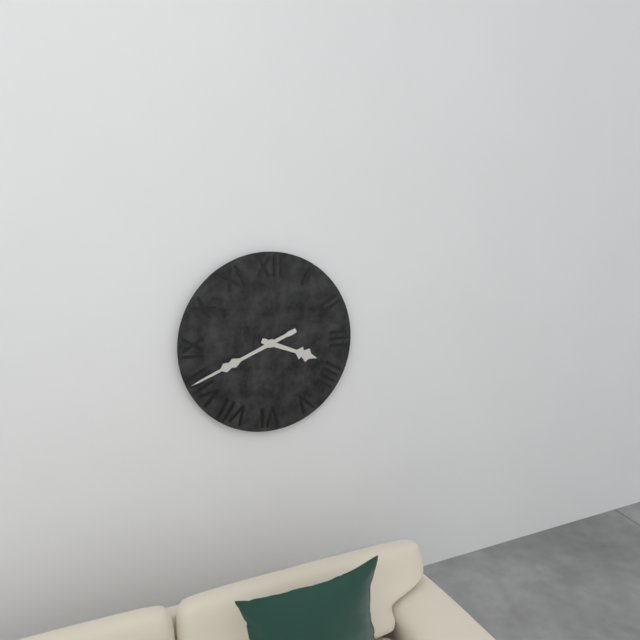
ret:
3:41
